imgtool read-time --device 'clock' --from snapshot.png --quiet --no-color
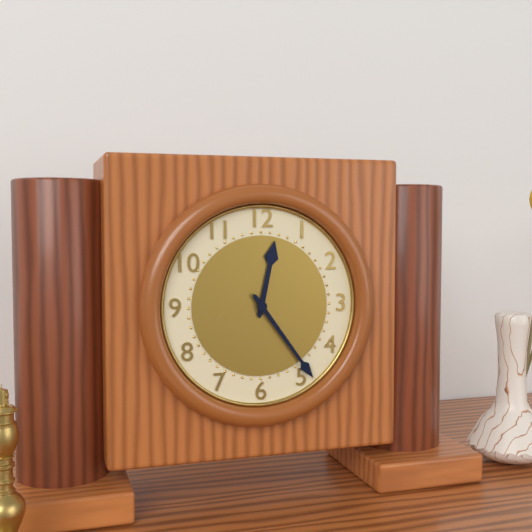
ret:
12:24
